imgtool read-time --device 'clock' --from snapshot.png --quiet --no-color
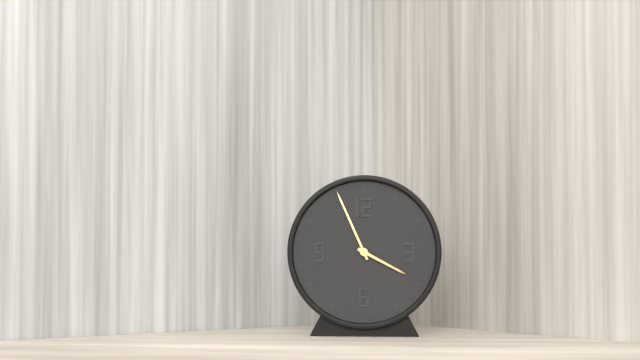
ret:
3:56
